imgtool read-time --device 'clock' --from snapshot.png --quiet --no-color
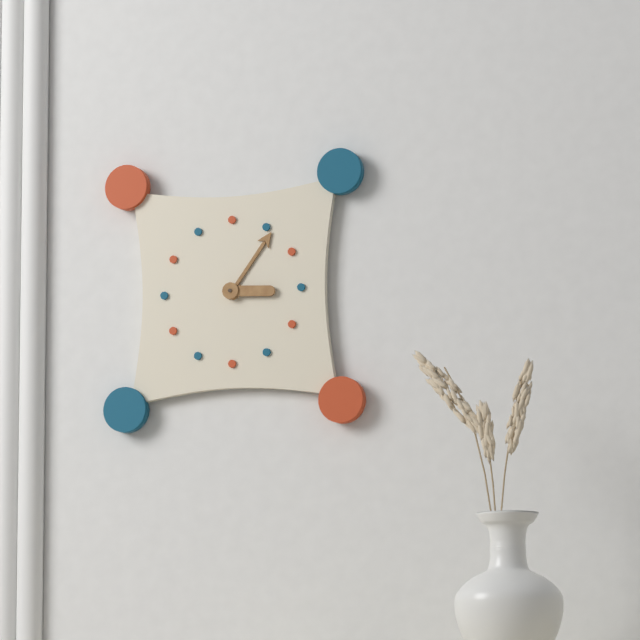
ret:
3:06
